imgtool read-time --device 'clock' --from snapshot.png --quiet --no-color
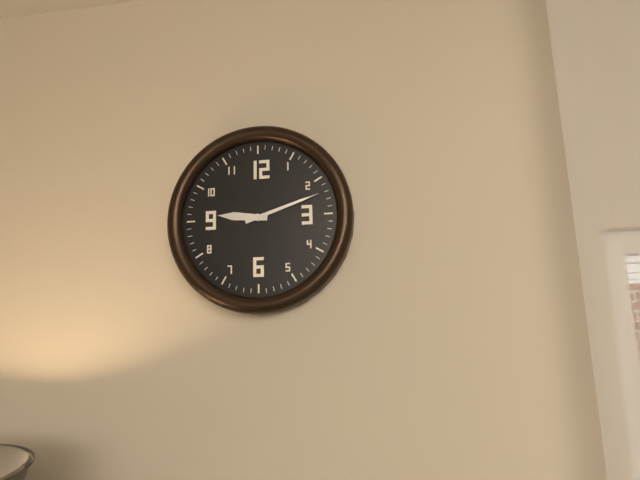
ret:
9:12
